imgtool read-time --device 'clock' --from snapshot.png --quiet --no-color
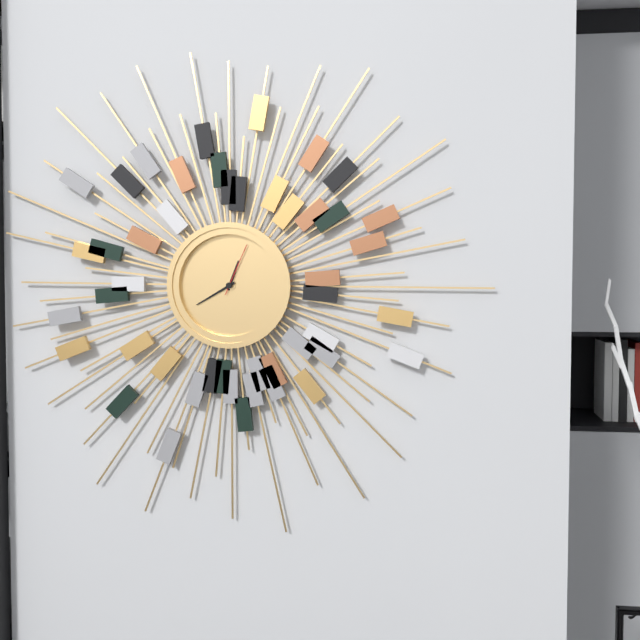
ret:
12:40:04
